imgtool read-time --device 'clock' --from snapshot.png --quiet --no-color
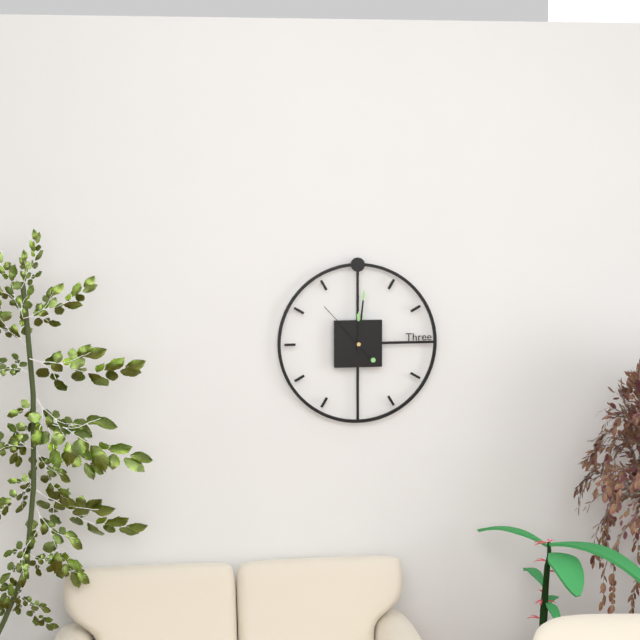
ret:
12:01:53
